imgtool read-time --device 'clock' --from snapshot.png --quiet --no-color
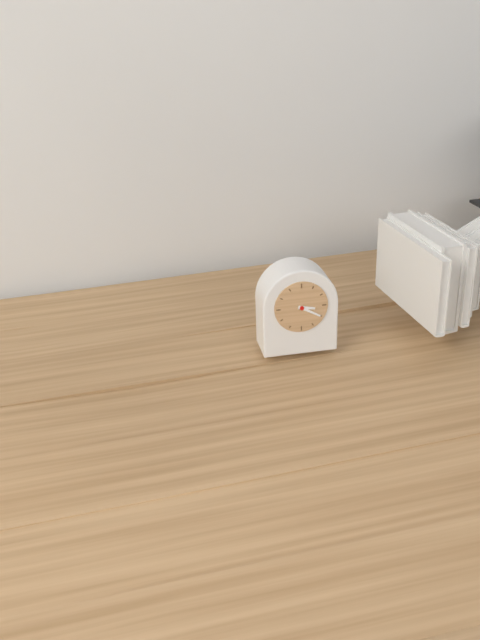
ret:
3:20
